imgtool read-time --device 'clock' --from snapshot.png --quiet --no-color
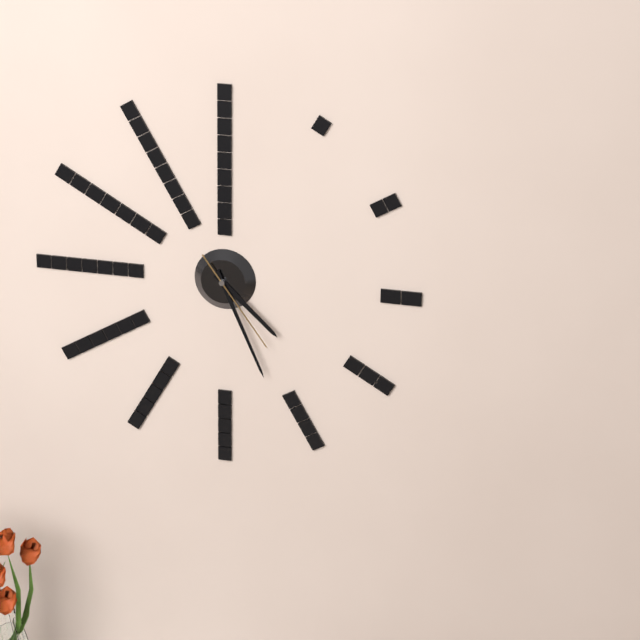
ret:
4:26:24
